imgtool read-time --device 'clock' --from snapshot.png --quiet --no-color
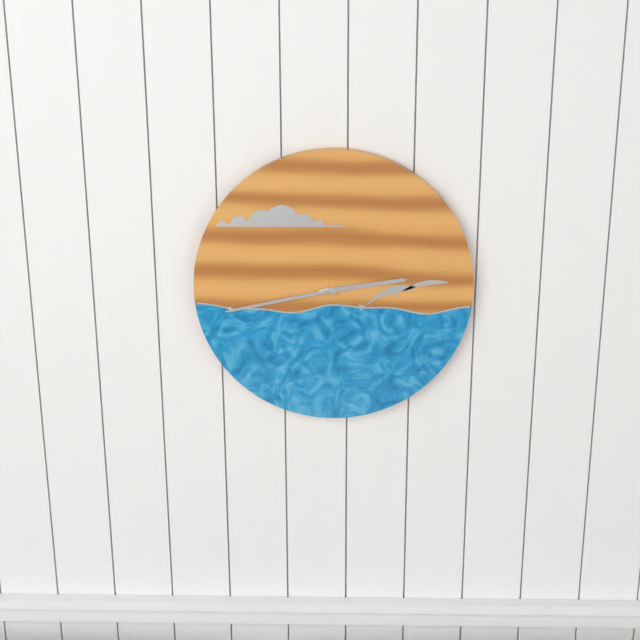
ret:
2:43
